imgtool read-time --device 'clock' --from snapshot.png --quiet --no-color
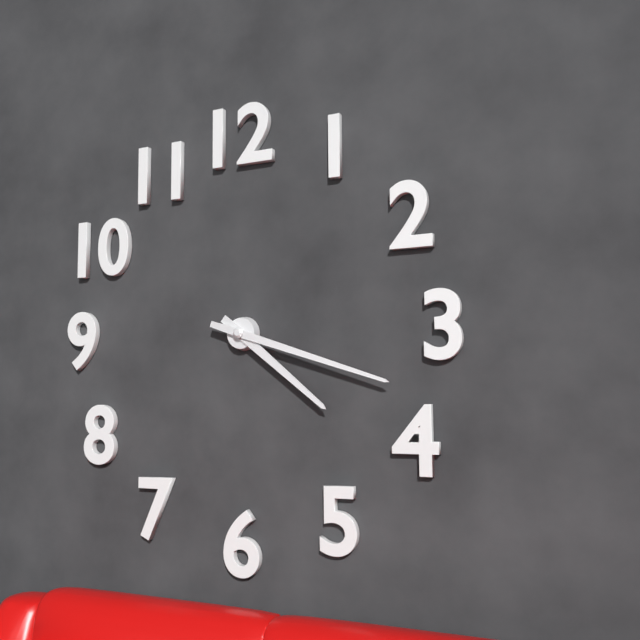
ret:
4:18
